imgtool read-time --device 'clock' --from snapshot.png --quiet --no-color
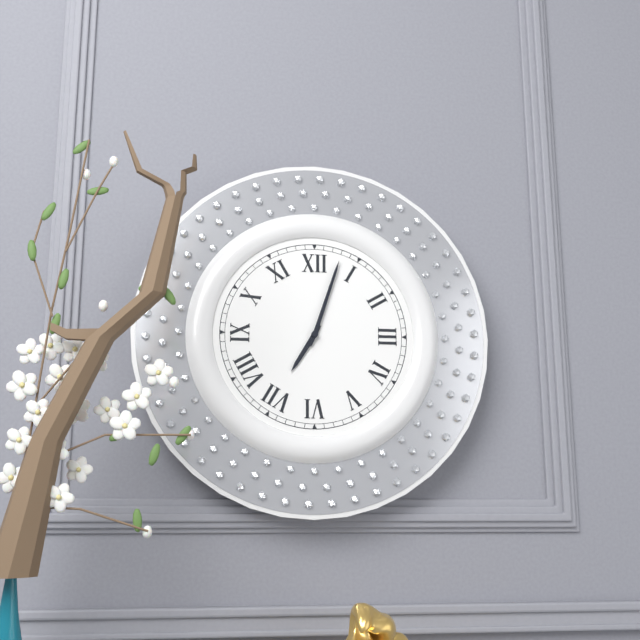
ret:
7:03
